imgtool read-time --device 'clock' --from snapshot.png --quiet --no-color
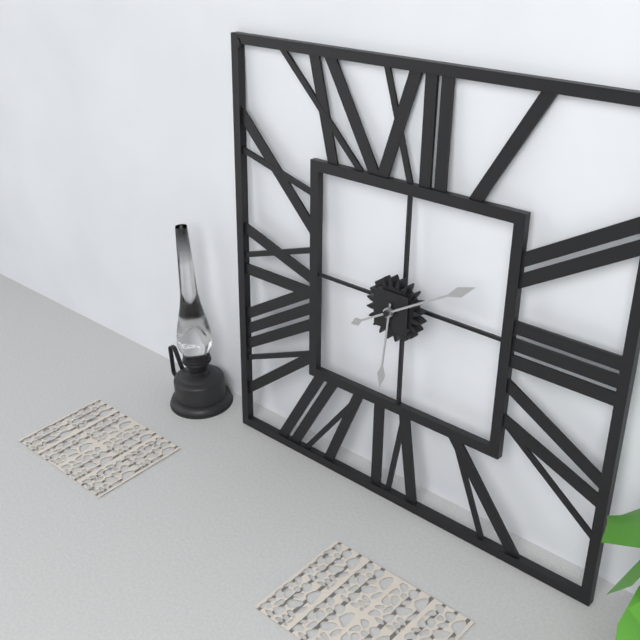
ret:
6:10
